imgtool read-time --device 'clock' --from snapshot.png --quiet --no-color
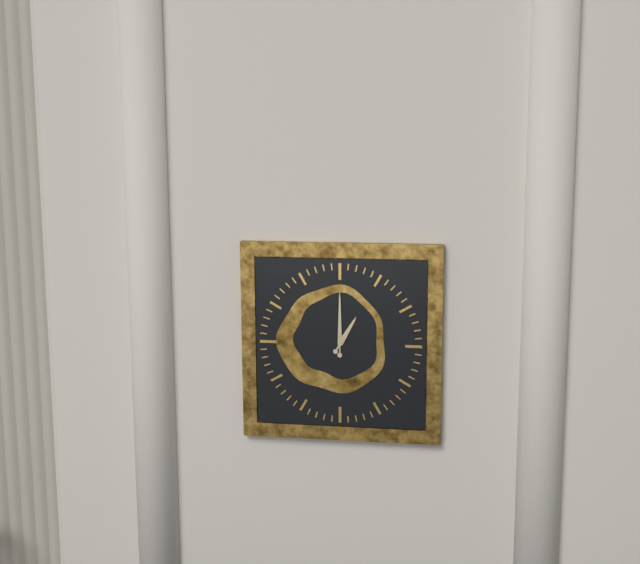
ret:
1:00
